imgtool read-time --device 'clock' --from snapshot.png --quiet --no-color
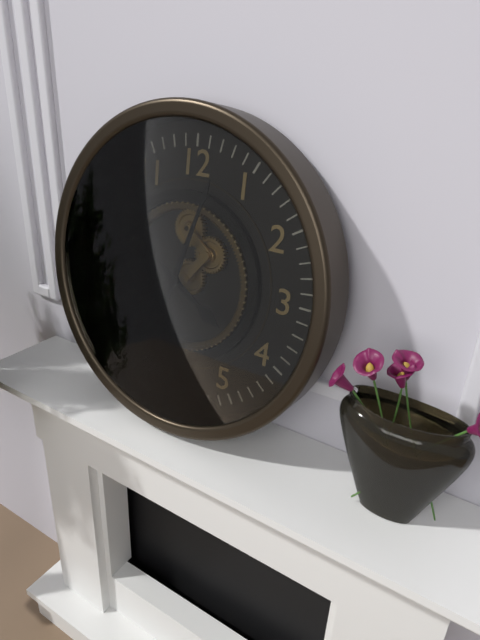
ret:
4:03
